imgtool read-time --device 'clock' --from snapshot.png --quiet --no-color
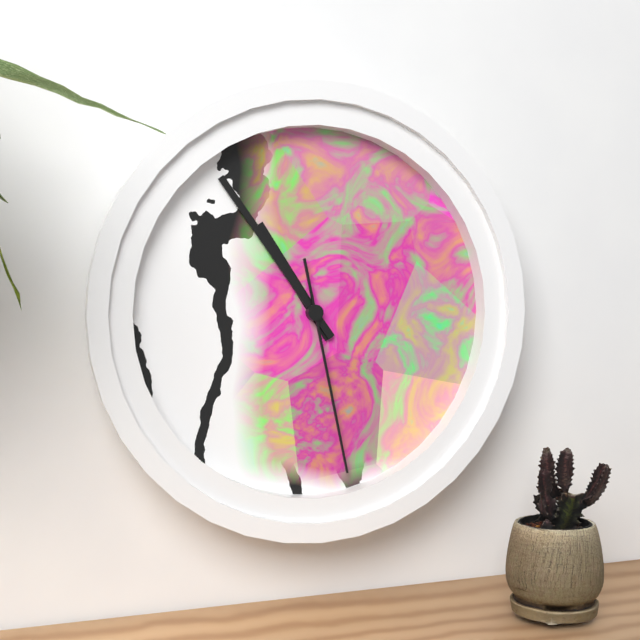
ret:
10:54:28
